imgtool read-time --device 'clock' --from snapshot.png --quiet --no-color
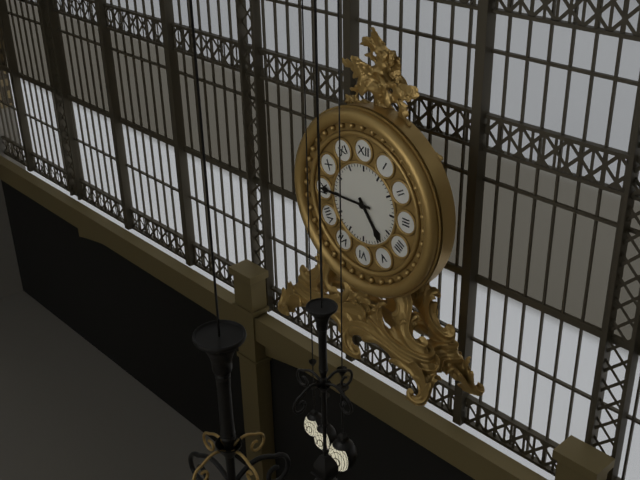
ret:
4:45
